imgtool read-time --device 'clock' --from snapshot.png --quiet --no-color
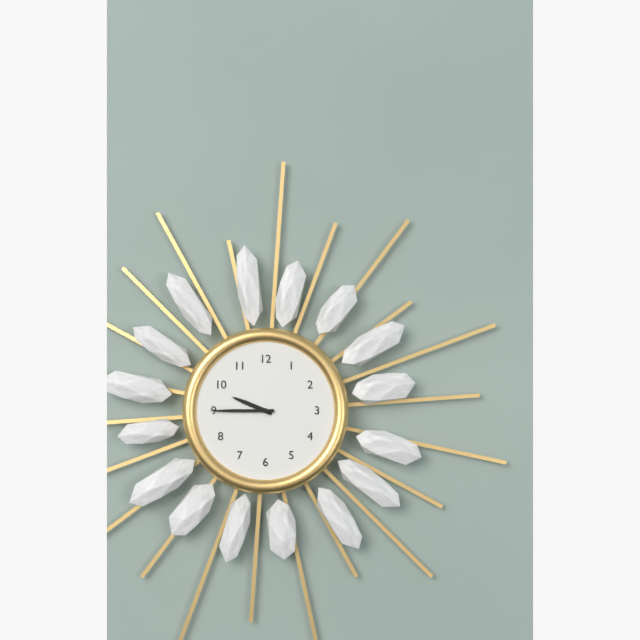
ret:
9:45
